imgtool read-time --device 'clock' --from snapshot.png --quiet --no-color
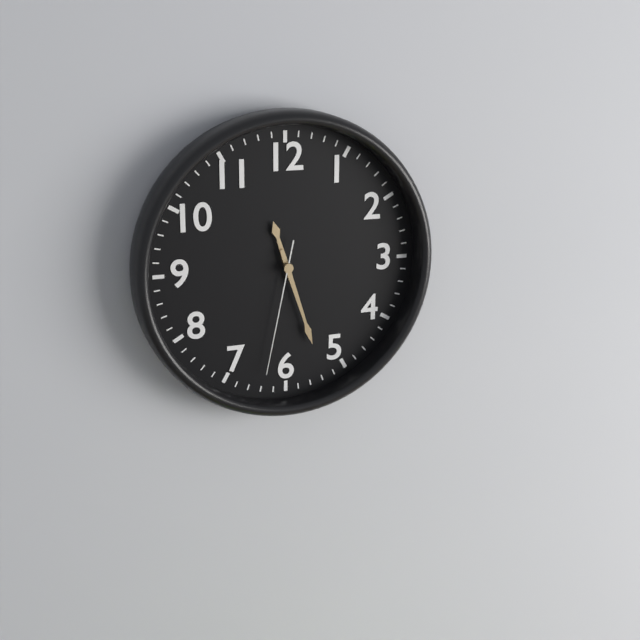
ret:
11:27:32
